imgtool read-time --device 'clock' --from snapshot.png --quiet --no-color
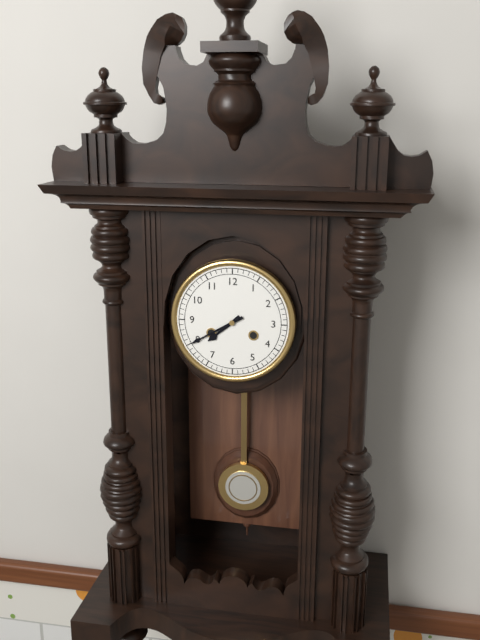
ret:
7:40
